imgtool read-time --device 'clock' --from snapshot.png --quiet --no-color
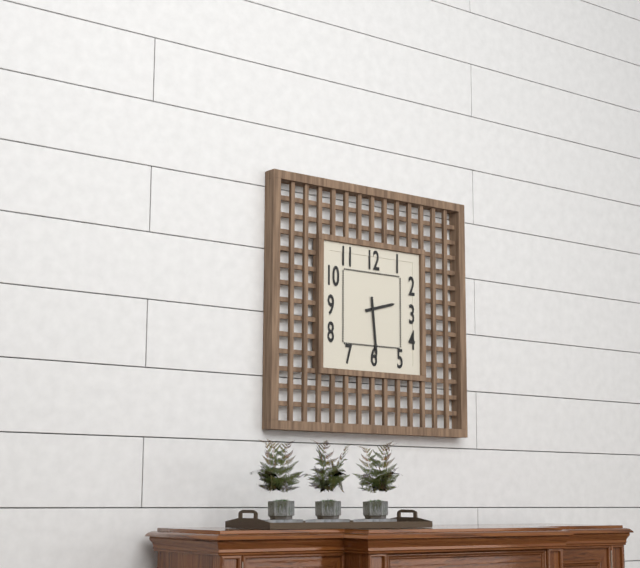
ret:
2:29
